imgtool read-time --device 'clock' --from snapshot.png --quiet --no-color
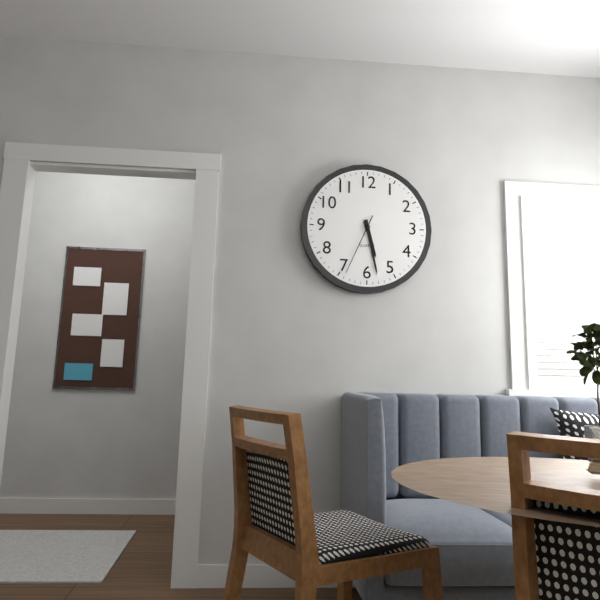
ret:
5:28:34
